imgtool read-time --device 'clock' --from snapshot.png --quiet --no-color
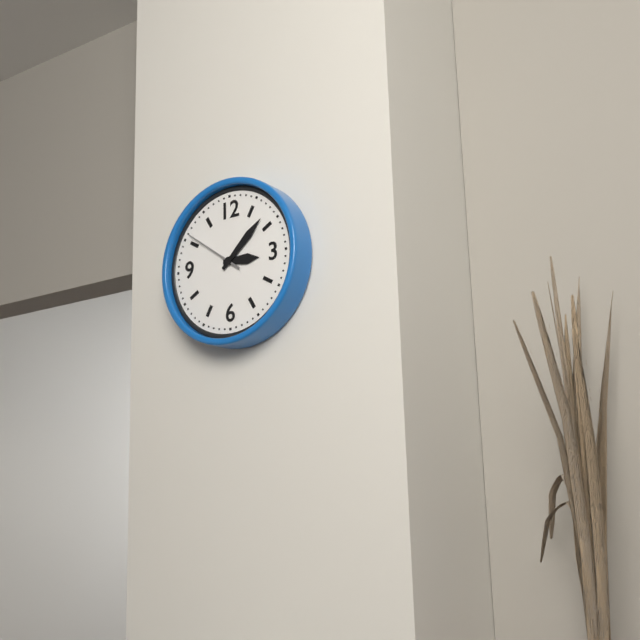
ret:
3:08:51
